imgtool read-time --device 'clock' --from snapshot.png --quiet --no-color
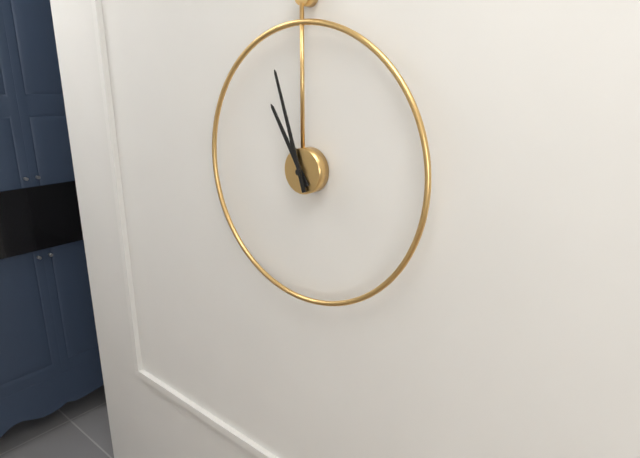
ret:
10:57
